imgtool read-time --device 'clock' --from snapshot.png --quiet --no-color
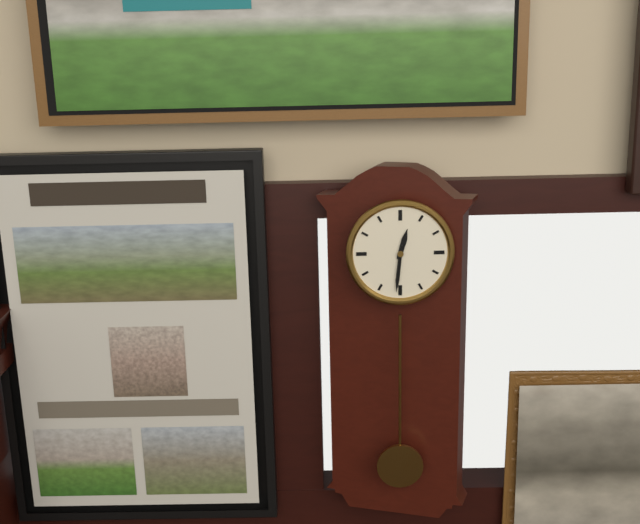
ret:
12:31
